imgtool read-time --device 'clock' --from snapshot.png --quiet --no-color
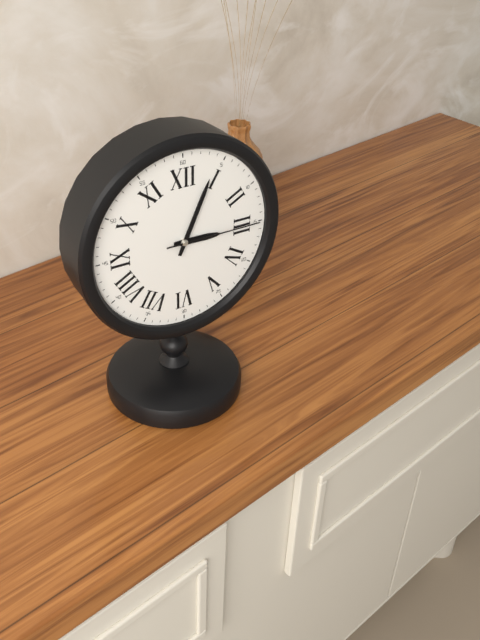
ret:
3:04:15
